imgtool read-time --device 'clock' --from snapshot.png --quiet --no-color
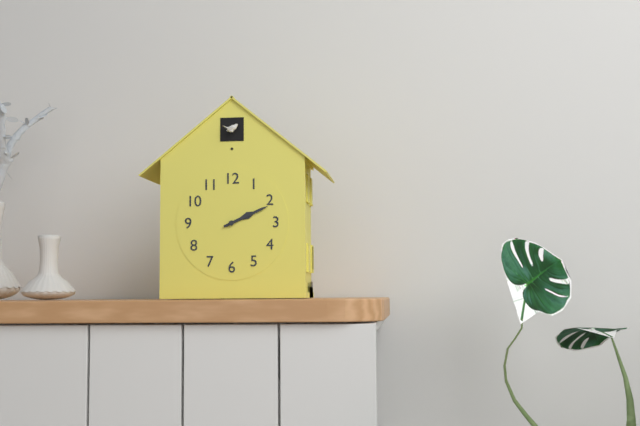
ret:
2:11
